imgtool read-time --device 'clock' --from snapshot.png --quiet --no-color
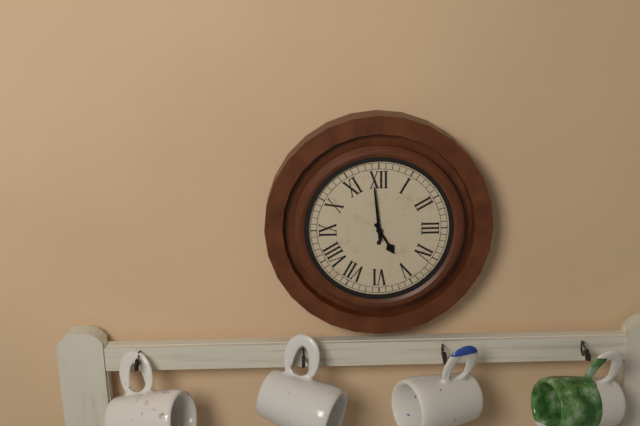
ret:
4:59
